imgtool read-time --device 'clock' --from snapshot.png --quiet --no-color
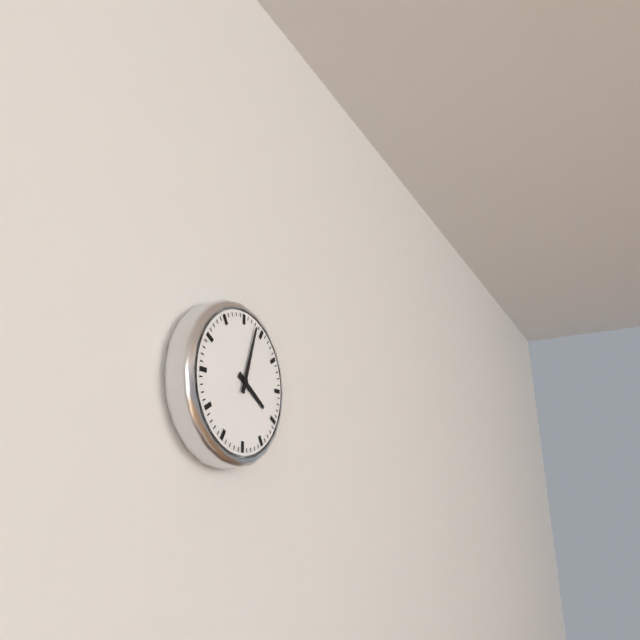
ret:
4:03
